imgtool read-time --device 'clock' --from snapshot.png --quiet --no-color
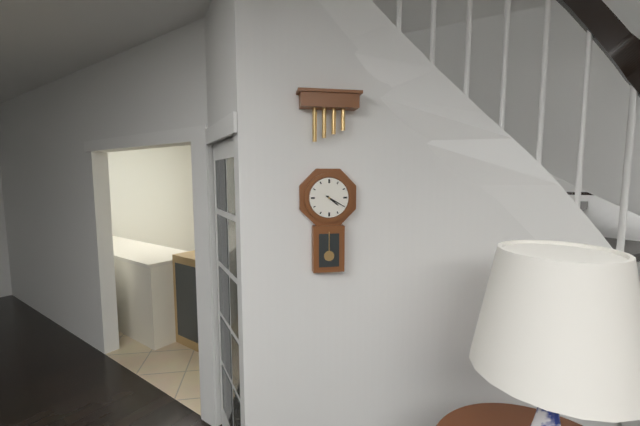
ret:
4:20
